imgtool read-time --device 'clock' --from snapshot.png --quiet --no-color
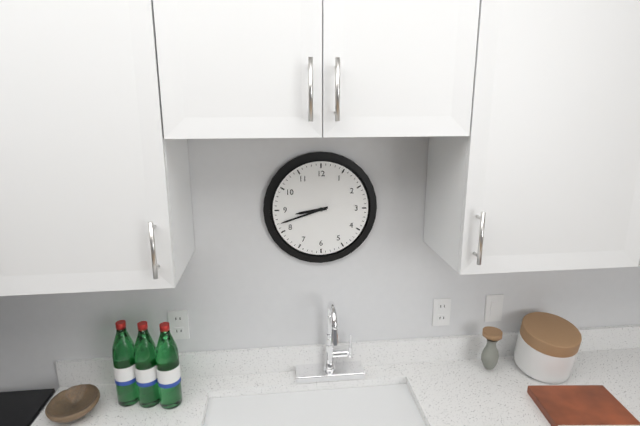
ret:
8:42
